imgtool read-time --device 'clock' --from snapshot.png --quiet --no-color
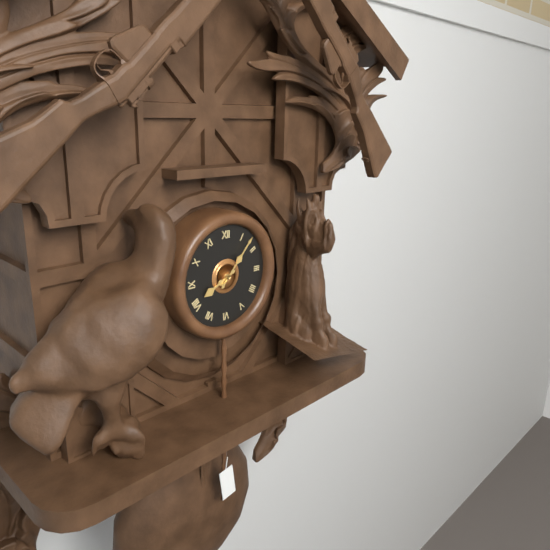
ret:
8:07
